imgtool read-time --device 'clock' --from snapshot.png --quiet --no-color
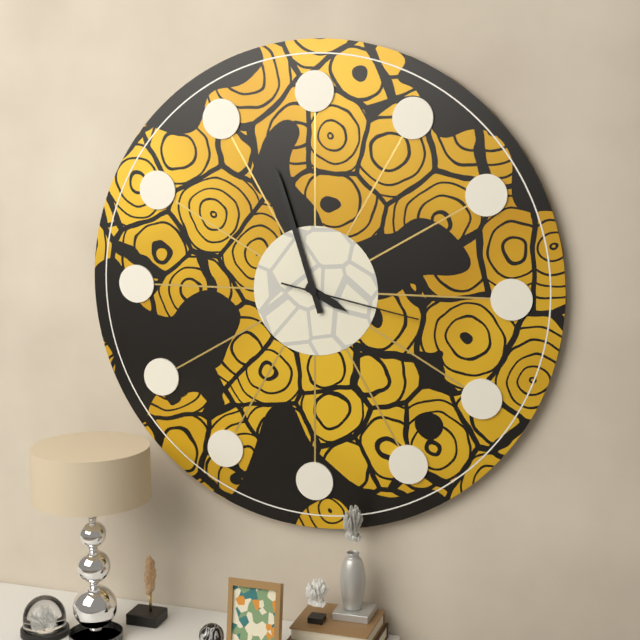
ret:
3:57:17
